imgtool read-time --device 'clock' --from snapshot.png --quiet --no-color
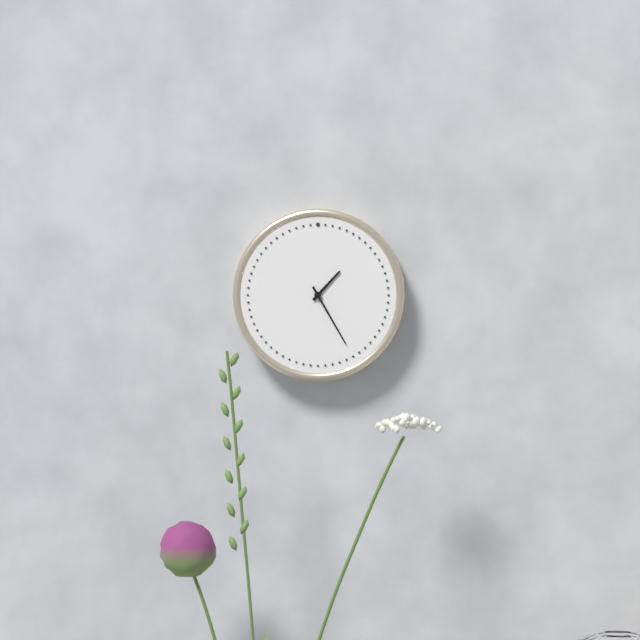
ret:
1:25
